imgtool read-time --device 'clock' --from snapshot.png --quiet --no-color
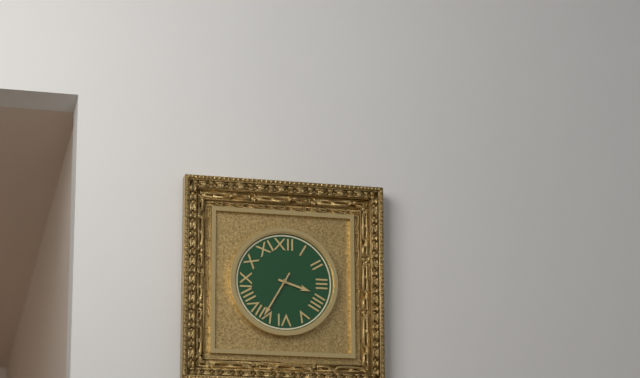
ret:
3:35
